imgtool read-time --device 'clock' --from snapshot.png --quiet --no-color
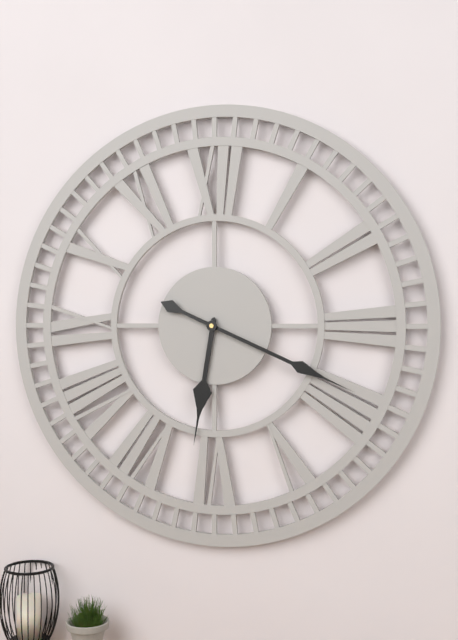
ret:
6:19
